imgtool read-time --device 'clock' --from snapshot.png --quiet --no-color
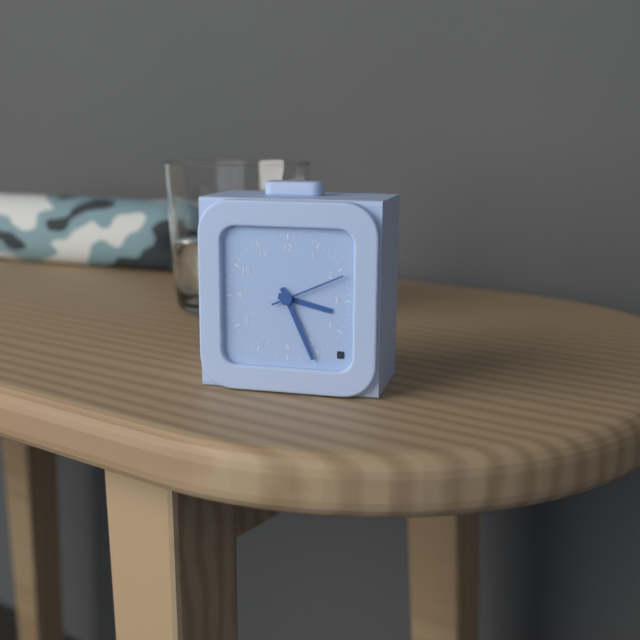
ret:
3:26:11
